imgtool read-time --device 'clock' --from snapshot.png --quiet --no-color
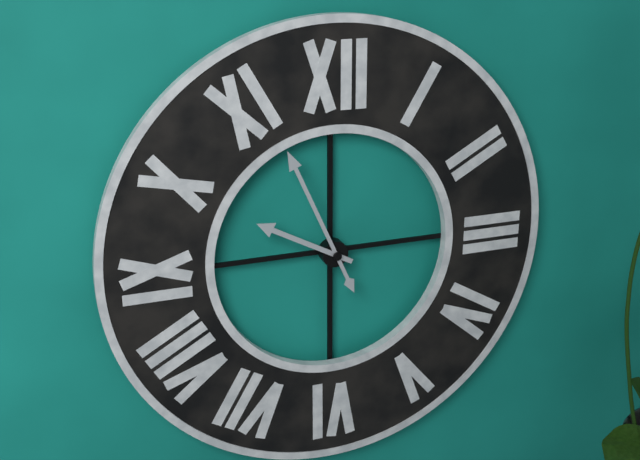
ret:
9:56
